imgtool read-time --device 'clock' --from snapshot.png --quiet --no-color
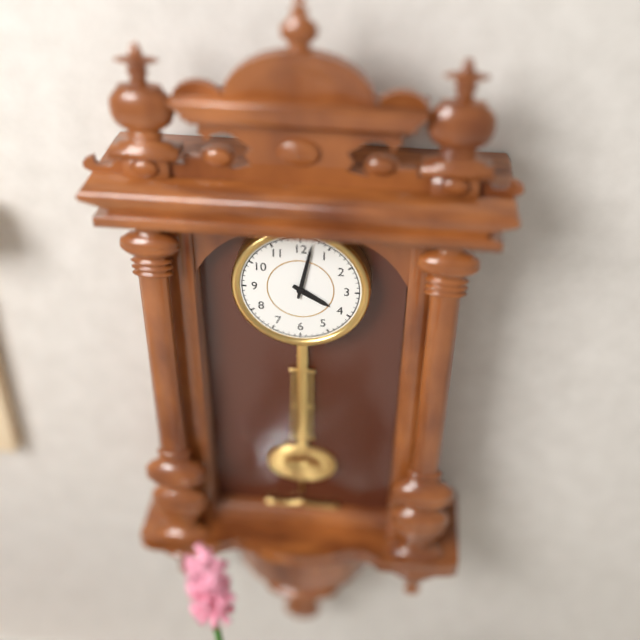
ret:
4:02
